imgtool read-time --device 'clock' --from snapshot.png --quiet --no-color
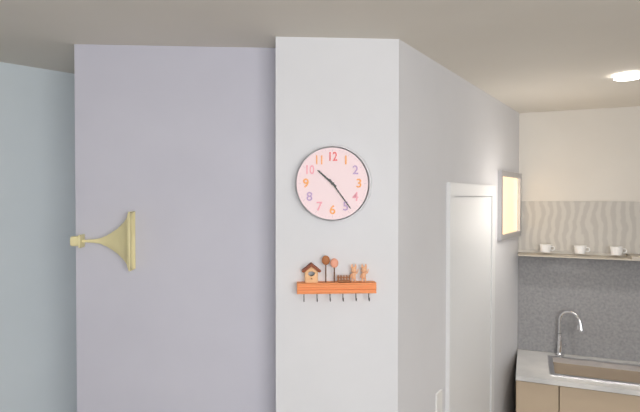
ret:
10:24
